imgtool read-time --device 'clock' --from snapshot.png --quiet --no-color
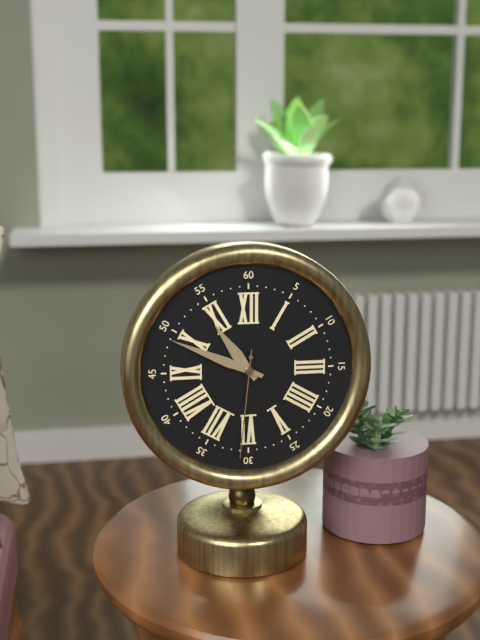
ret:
10:49:31
